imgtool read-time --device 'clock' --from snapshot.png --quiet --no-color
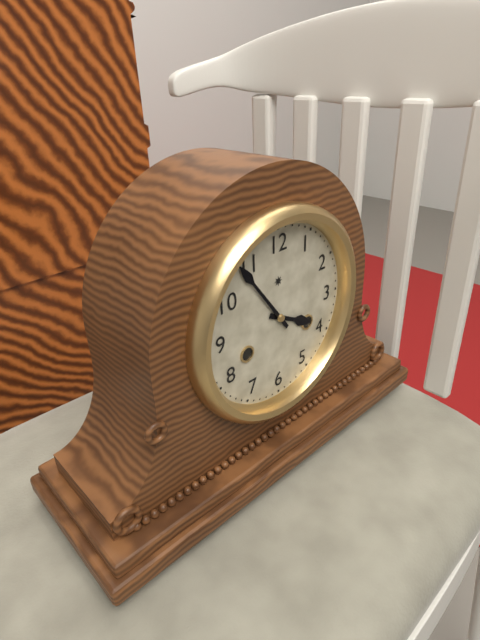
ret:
3:54
